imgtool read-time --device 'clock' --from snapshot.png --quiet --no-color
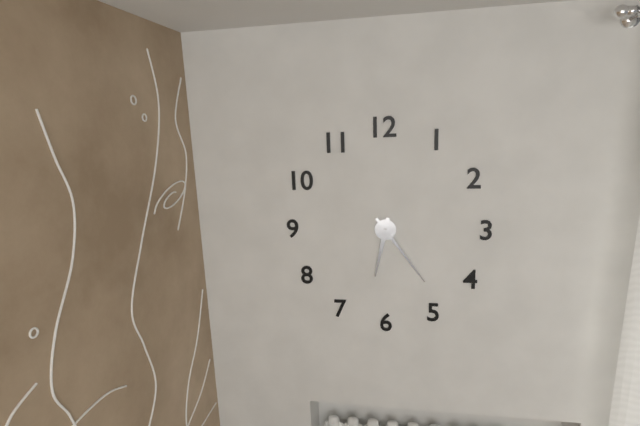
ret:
6:24
